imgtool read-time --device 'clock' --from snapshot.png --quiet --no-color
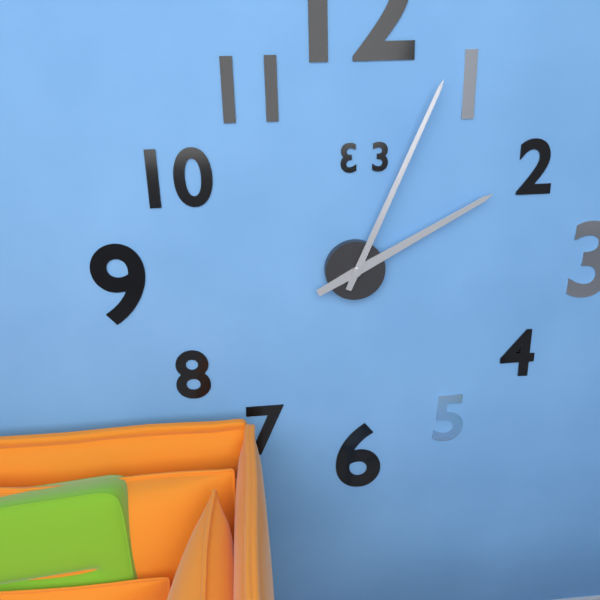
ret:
2:04
